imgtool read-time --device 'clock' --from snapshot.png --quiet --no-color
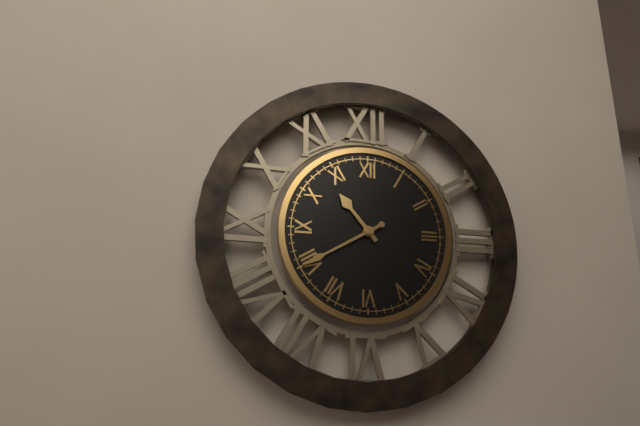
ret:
10:40
